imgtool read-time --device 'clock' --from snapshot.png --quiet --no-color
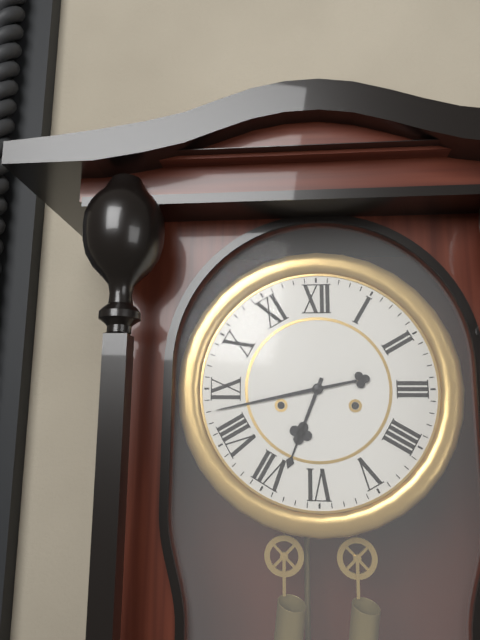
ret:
6:43
